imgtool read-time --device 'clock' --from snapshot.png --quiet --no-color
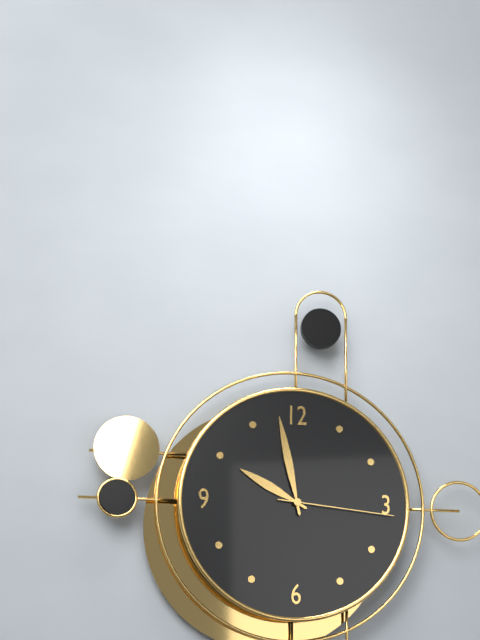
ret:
9:58:16
